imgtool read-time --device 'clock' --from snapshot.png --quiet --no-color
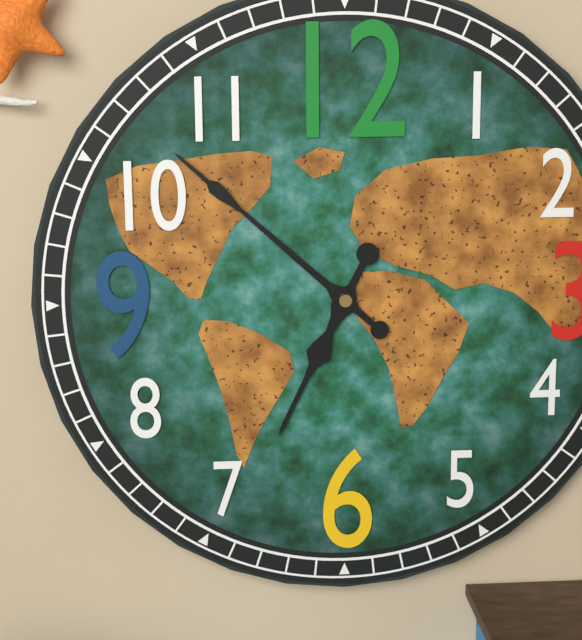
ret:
6:52
